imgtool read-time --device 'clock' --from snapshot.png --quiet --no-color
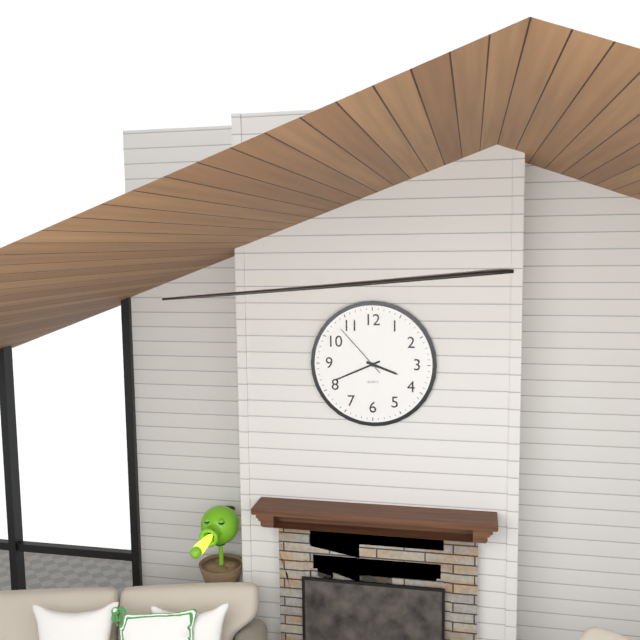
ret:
3:41:53
